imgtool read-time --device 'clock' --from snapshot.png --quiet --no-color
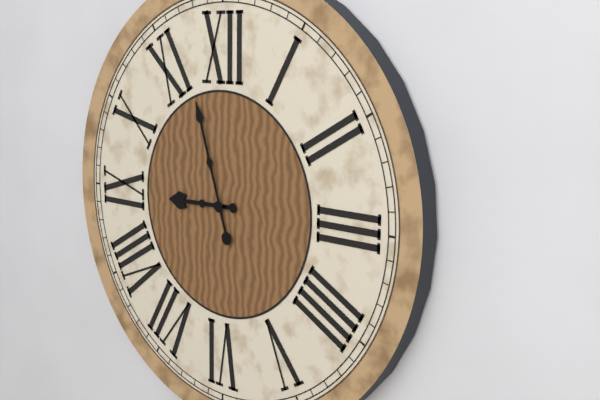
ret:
8:57
